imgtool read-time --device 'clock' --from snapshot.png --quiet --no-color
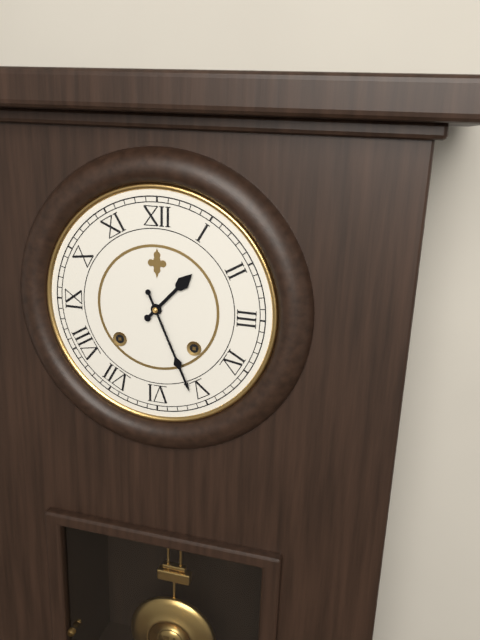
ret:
1:26
